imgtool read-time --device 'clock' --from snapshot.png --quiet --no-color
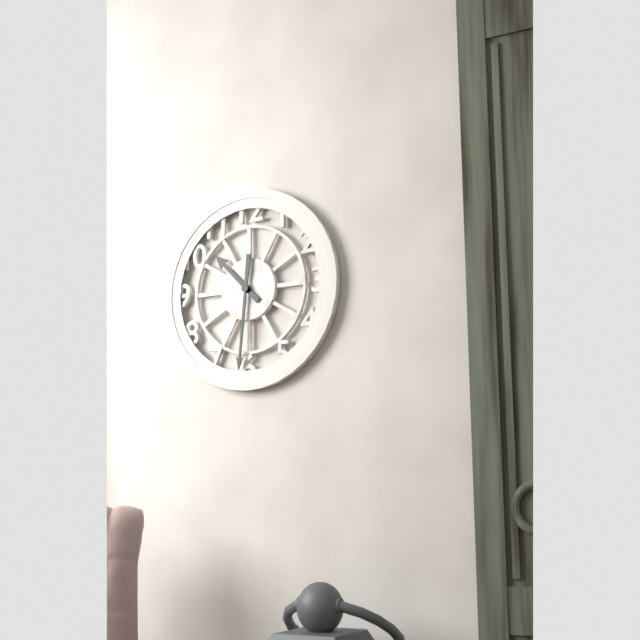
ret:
10:31
